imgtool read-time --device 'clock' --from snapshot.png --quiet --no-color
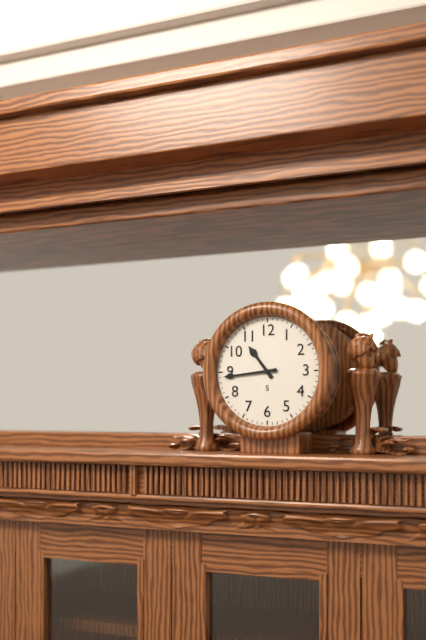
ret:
10:44
